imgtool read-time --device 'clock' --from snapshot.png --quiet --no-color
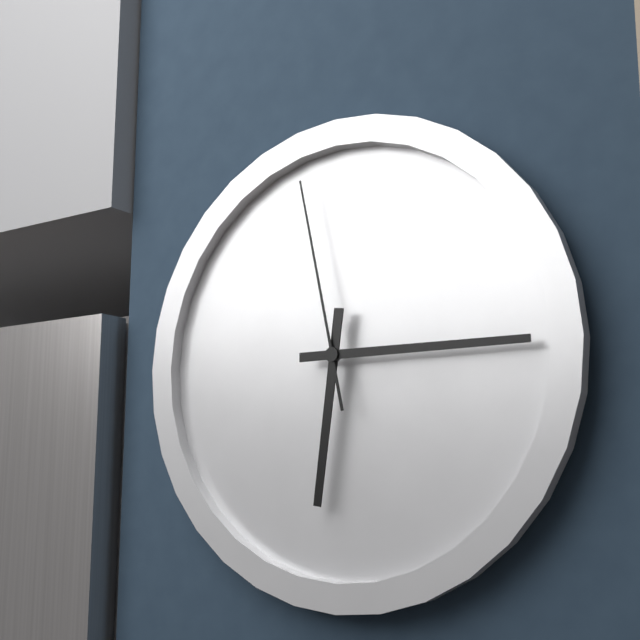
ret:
6:15:58
